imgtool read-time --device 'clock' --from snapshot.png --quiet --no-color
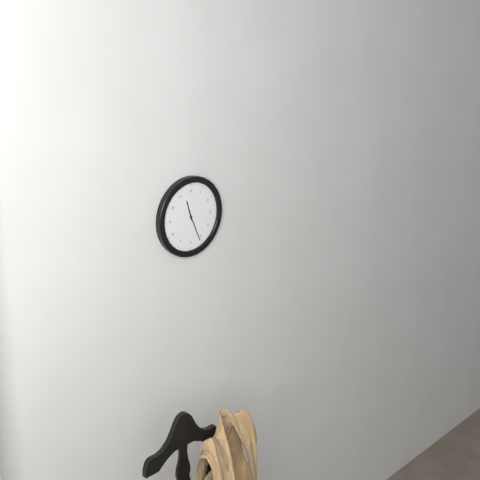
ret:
11:26
